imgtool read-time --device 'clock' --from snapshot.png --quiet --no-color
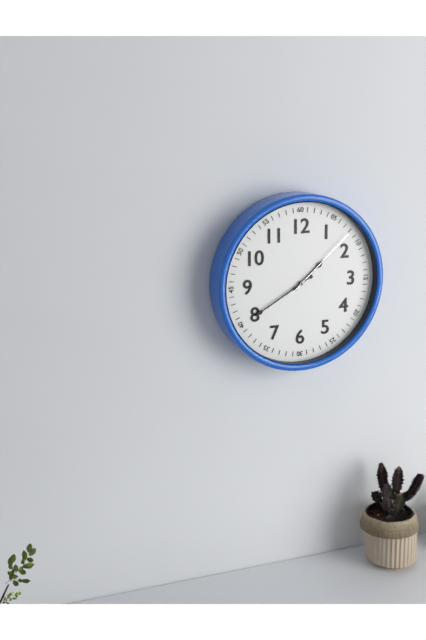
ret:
1:40:08
